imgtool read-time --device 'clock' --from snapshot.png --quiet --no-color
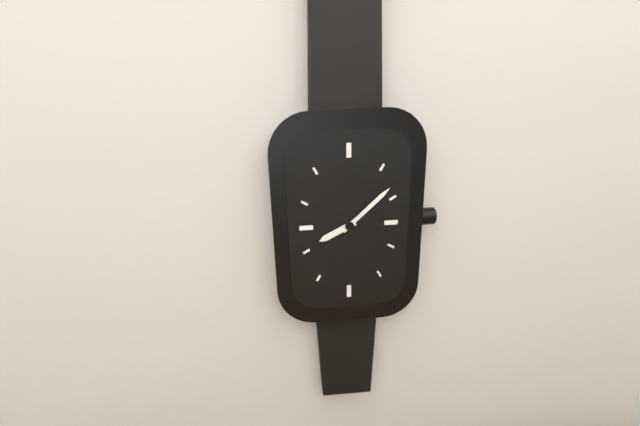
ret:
8:08
